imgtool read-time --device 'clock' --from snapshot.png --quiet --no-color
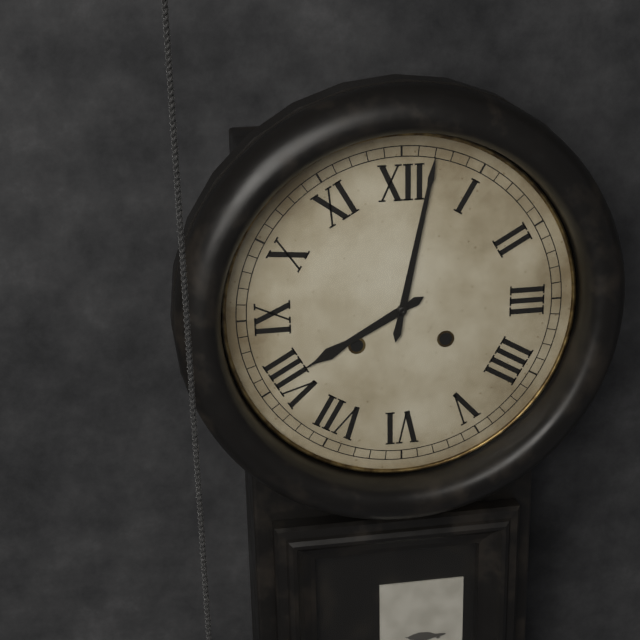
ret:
8:02
